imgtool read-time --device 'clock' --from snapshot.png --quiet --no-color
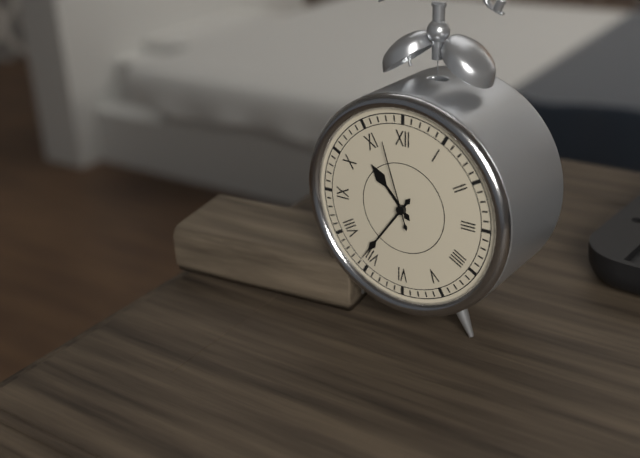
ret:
10:36:57
